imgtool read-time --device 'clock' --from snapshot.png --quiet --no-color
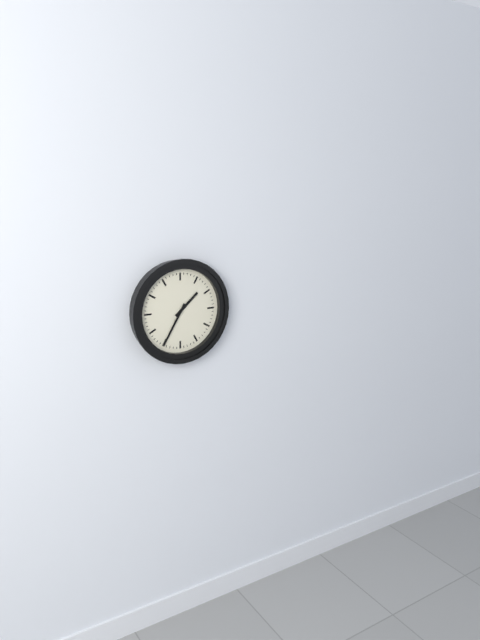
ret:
1:35
